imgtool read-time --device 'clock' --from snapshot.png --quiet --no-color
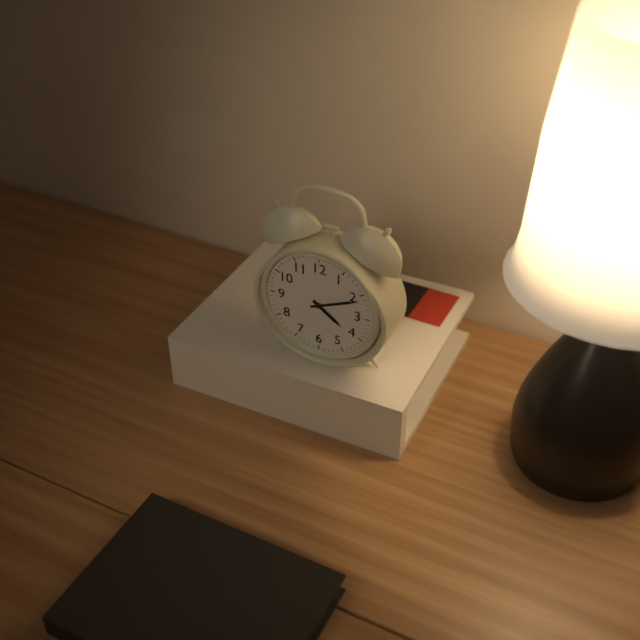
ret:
4:11
